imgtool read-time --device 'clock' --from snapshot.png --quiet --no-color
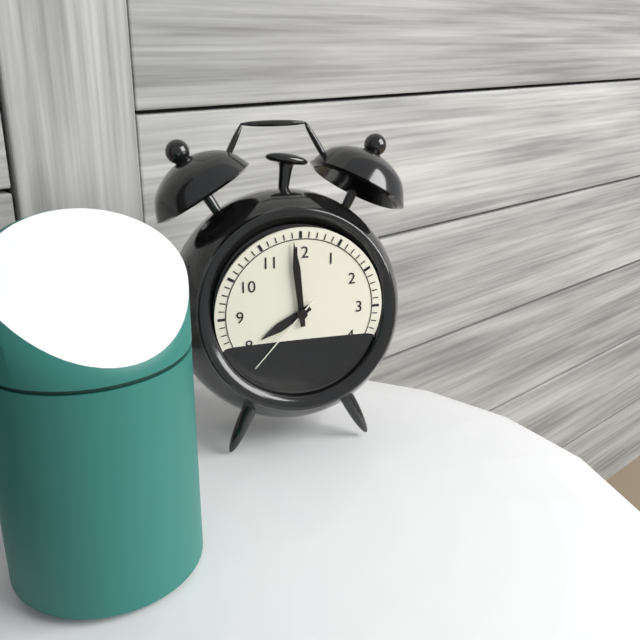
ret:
7:59:37
